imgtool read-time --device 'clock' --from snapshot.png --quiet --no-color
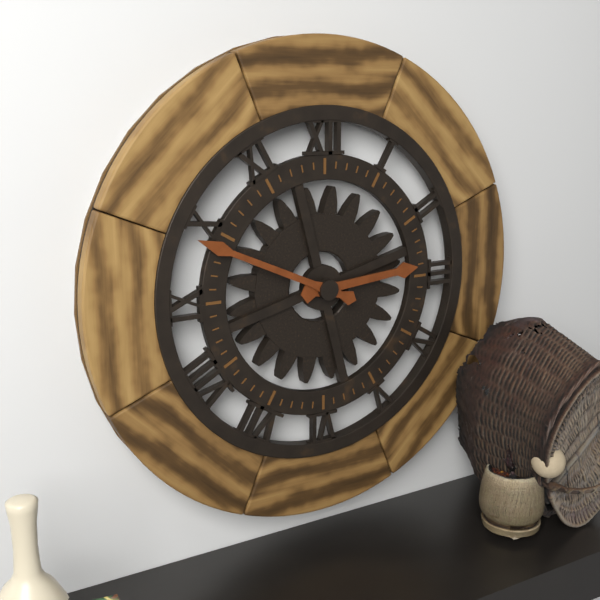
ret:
2:49
